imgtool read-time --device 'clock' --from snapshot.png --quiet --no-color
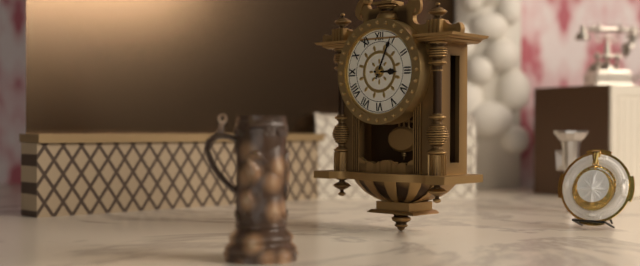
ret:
3:04
